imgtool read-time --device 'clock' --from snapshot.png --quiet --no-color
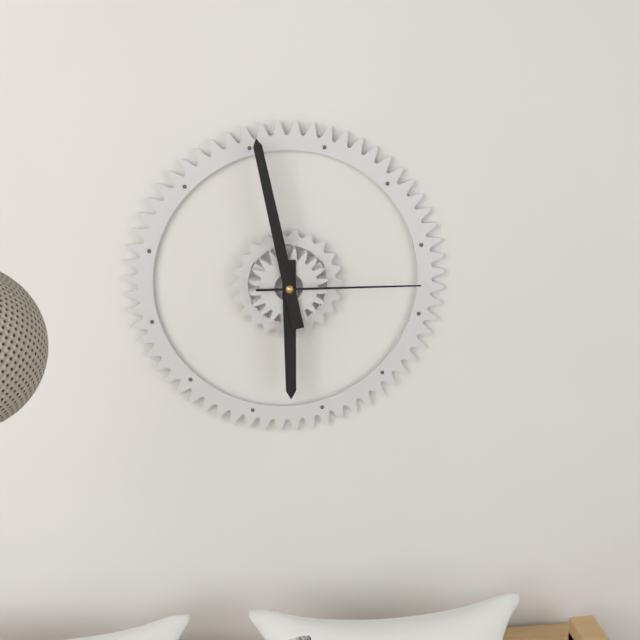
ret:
5:58:15
